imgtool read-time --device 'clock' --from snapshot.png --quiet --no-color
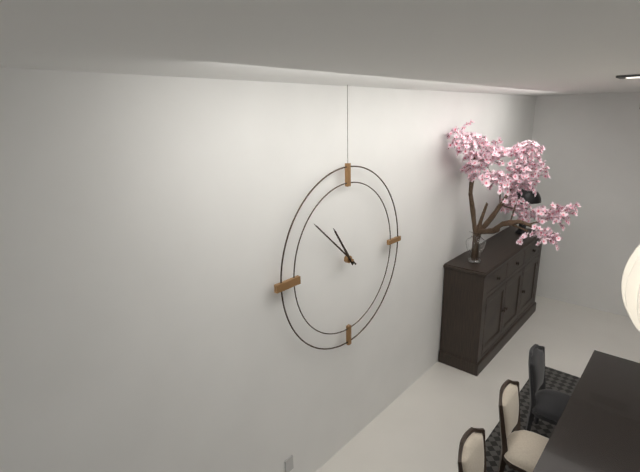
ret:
10:52
